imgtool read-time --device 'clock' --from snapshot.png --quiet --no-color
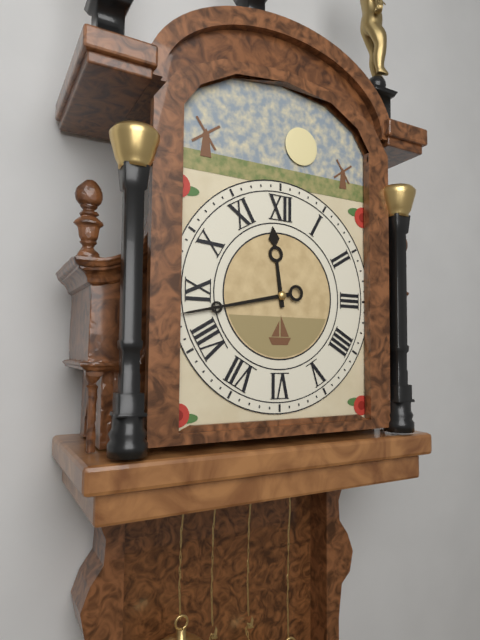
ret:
11:43
